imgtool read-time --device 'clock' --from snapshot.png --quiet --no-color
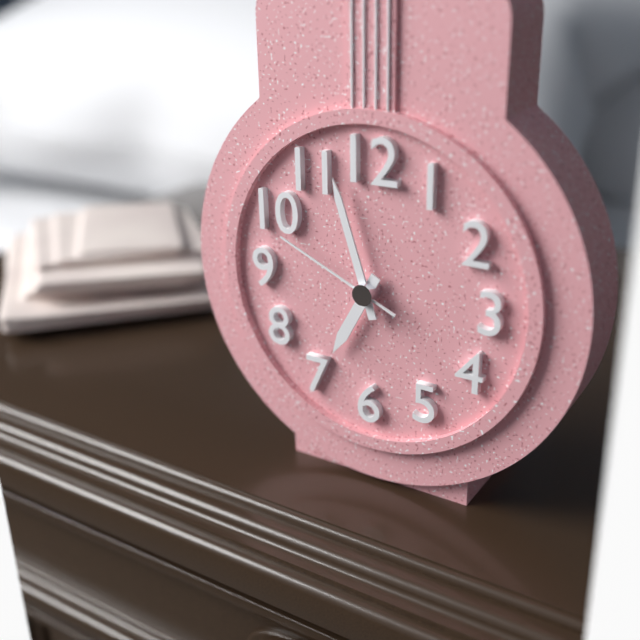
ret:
6:57:49
